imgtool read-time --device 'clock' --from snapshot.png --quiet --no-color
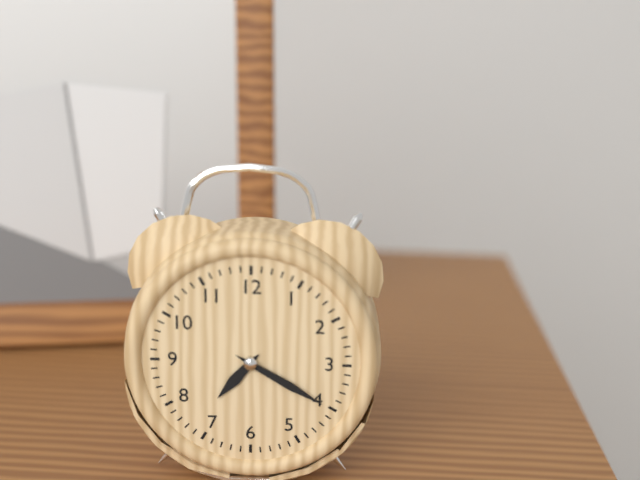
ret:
7:20
